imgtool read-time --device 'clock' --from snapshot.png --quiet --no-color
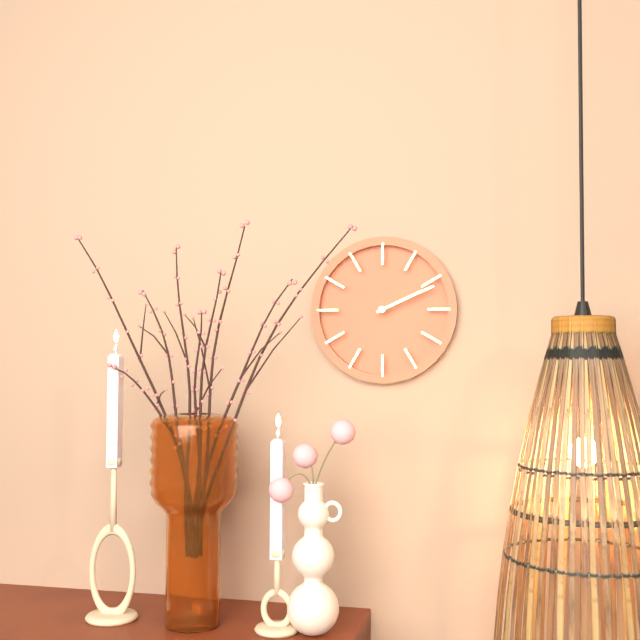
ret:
2:11
